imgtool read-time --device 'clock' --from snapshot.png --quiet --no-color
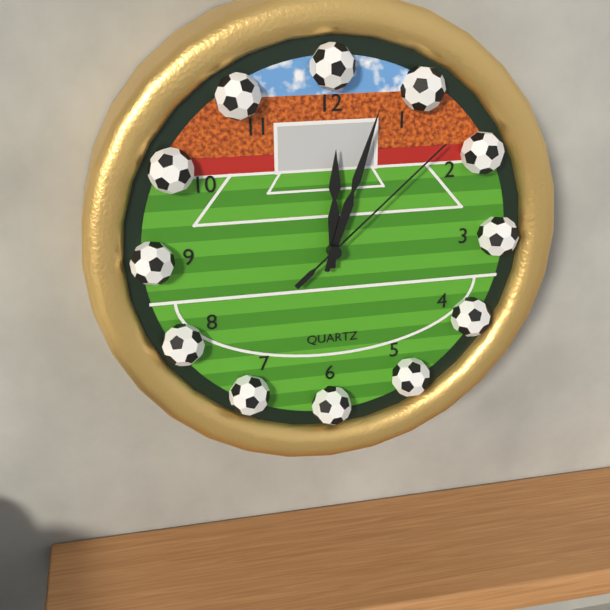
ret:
12:03:08
